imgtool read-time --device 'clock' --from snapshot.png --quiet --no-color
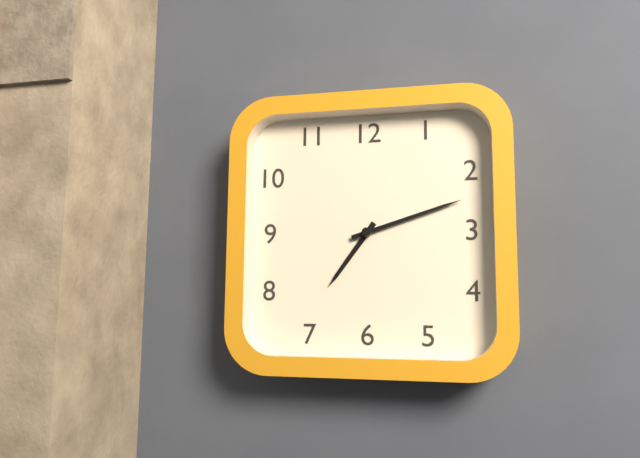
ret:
7:12
